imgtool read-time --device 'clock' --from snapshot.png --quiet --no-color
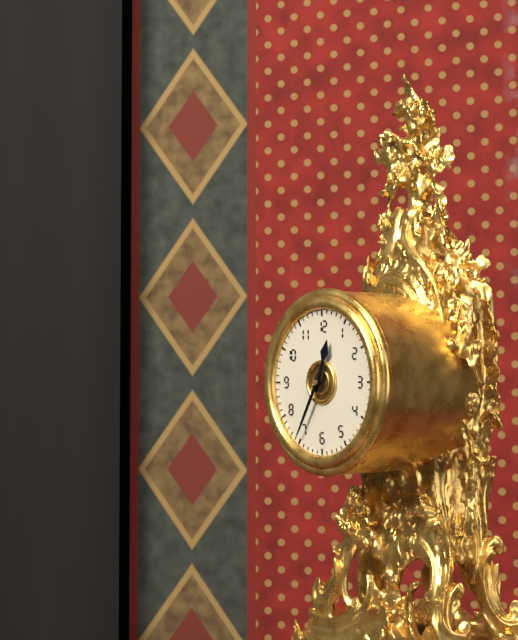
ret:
12:35
